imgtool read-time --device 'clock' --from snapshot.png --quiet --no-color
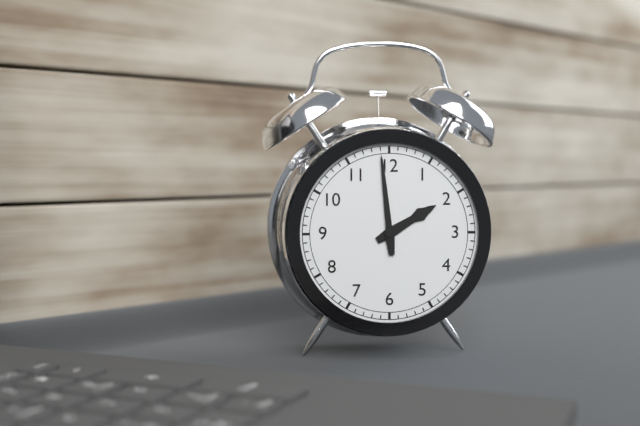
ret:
1:59
